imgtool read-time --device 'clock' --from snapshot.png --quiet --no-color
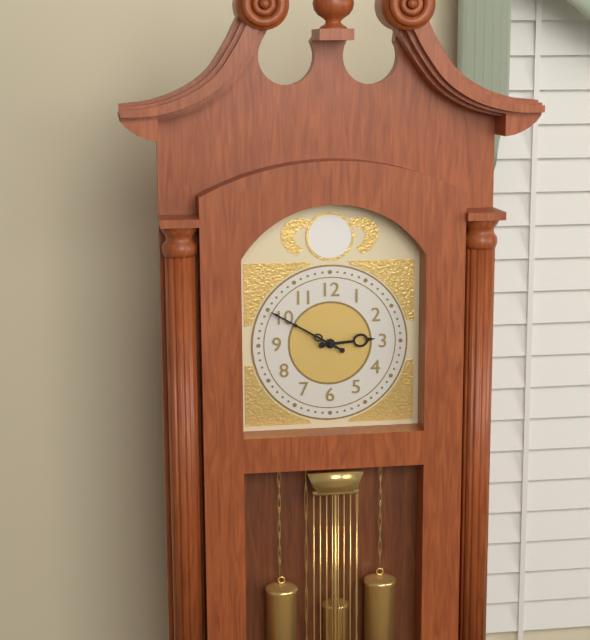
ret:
2:50
